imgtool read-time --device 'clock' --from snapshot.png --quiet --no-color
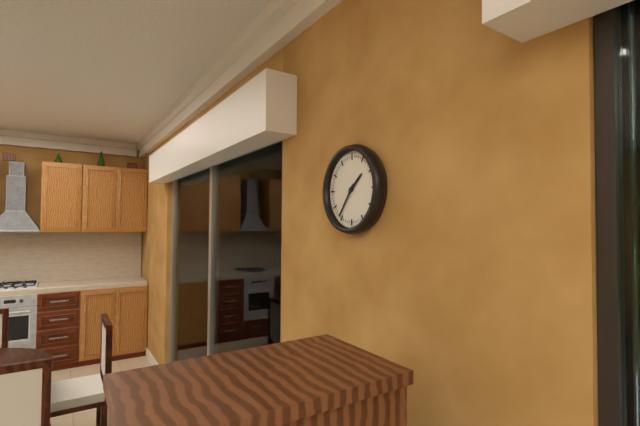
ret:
1:36
